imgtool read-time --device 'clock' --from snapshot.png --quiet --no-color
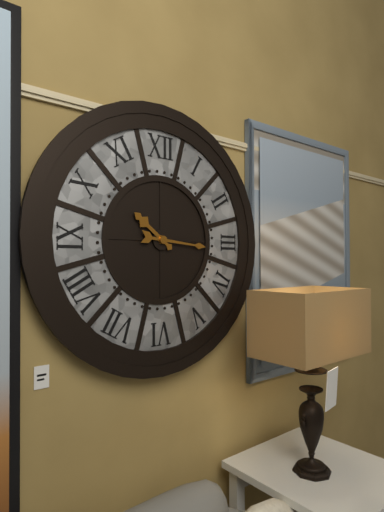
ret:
10:16
